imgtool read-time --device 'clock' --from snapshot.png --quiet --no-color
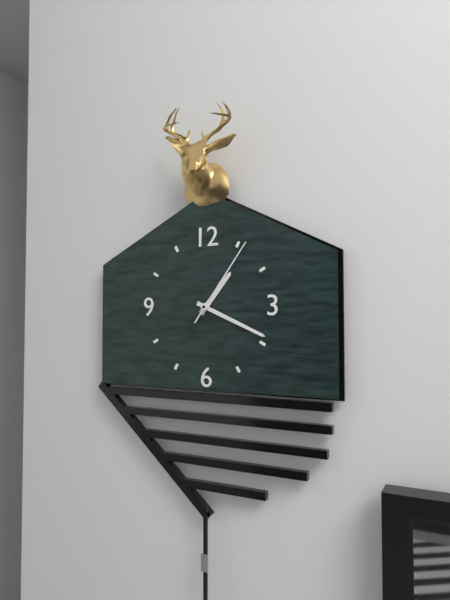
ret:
1:19:06
